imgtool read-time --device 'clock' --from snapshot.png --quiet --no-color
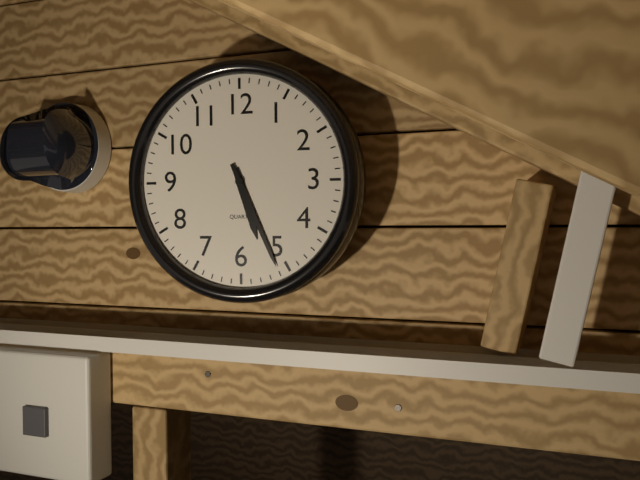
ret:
5:26
